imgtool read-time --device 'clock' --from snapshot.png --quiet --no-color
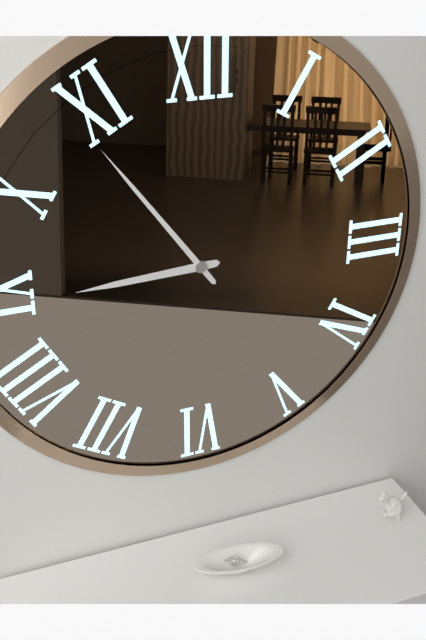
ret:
8:54
